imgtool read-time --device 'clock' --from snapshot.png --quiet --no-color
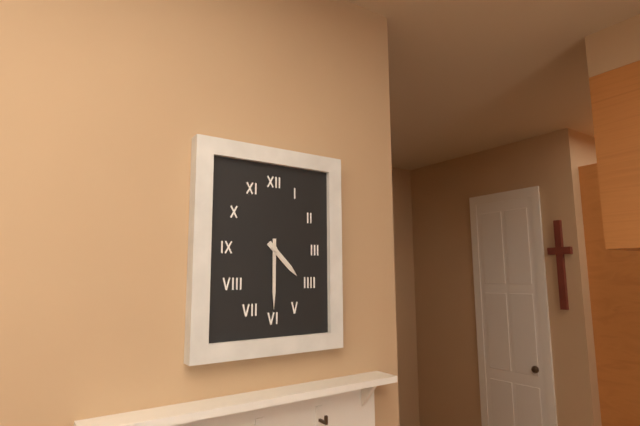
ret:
4:30
